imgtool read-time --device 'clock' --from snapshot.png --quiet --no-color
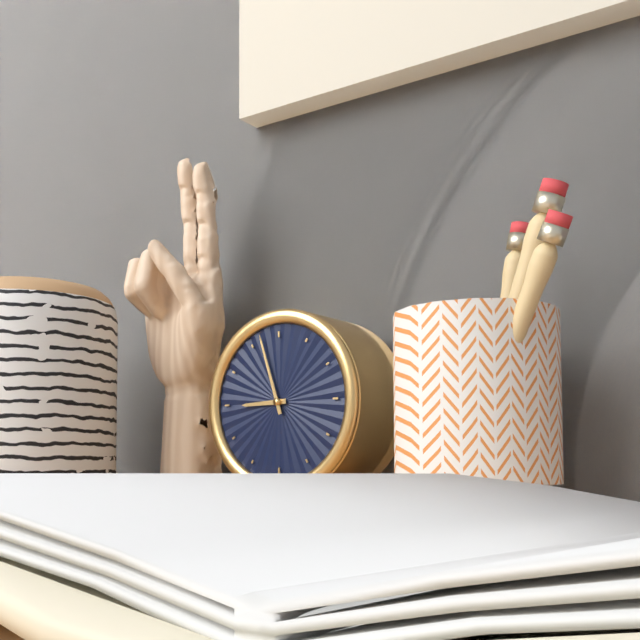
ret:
8:57
